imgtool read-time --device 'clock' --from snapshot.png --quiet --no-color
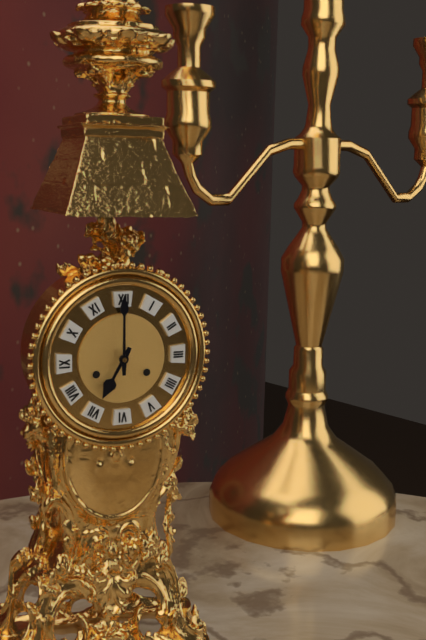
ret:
7:00
